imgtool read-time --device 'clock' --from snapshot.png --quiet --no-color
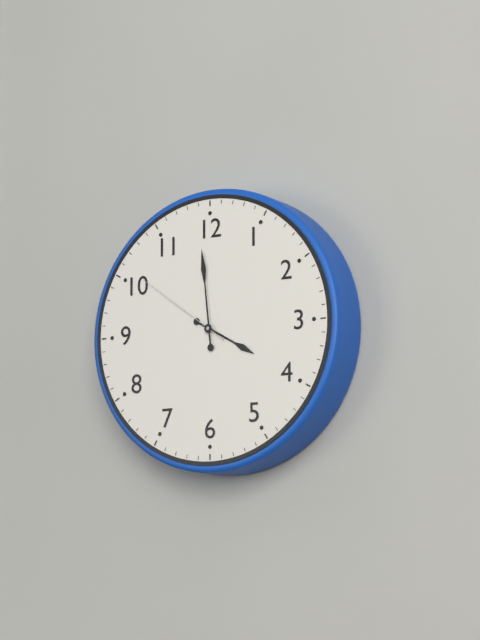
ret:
3:59:51
